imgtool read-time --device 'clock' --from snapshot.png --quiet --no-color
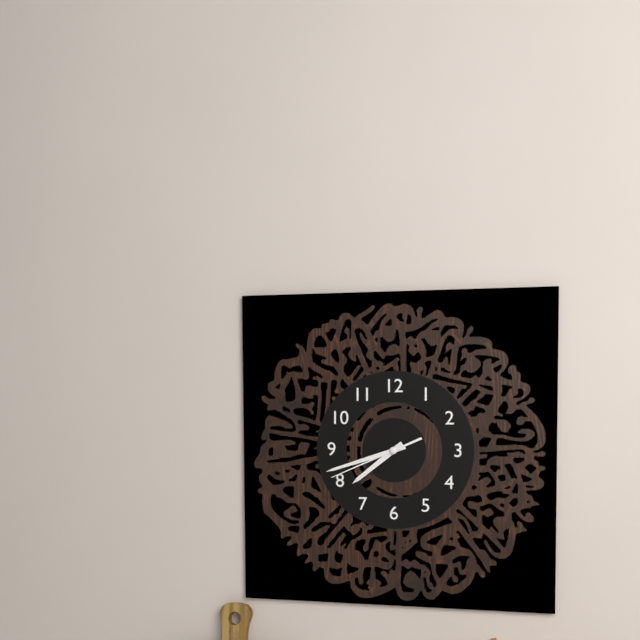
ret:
7:42:41
